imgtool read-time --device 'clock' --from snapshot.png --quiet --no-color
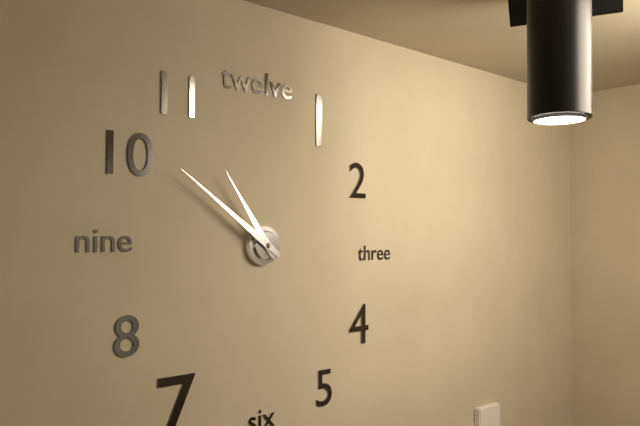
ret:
10:51
